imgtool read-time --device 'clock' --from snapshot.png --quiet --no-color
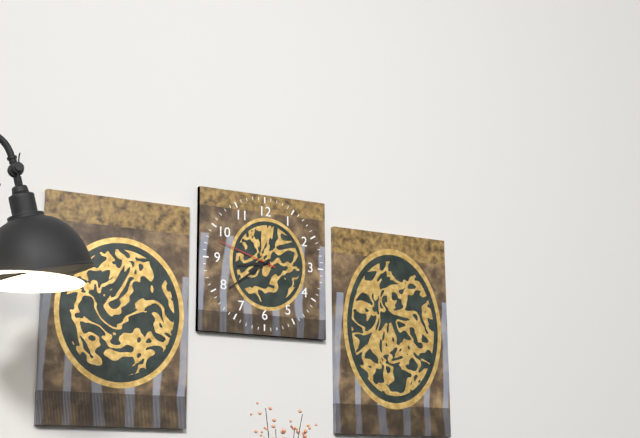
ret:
8:39:48
